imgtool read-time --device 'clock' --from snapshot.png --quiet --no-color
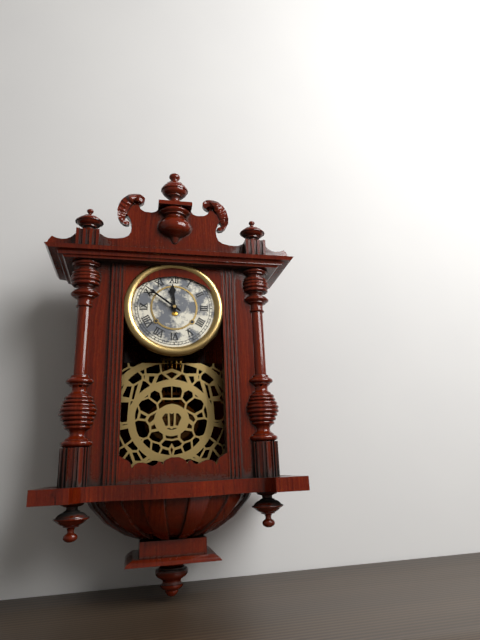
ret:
11:51
